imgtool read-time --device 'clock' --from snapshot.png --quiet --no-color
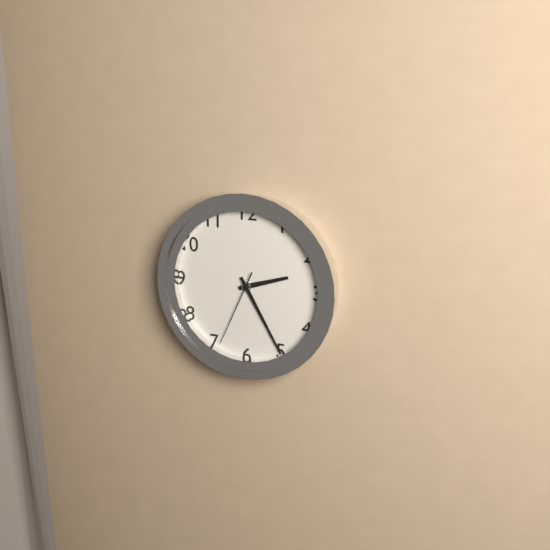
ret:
2:25:34
